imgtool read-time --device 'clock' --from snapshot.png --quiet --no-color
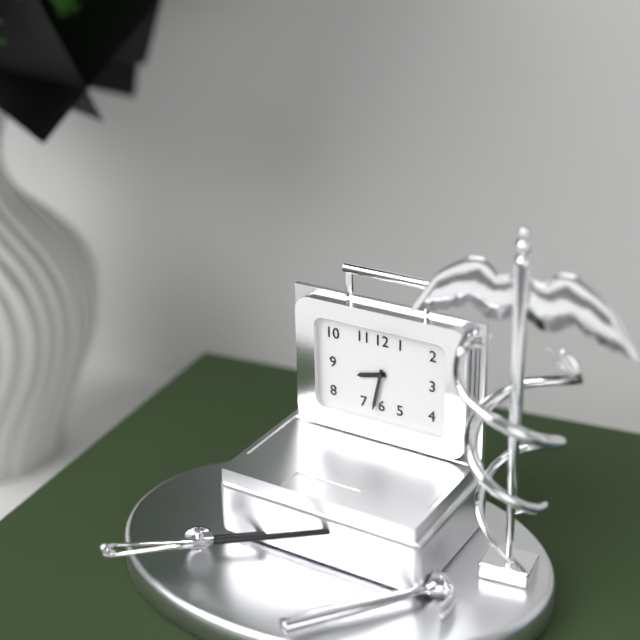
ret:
8:32
